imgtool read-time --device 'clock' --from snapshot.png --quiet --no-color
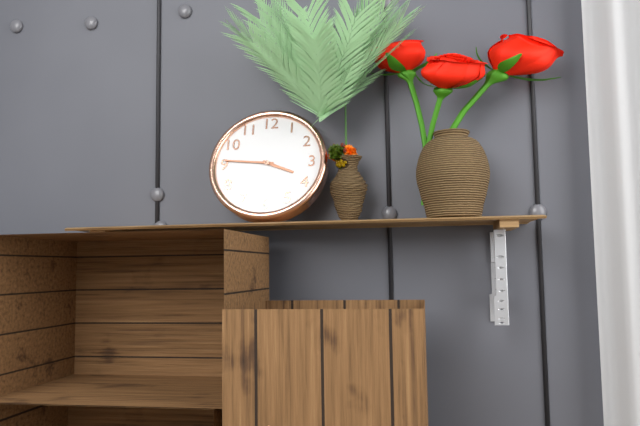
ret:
3:46
